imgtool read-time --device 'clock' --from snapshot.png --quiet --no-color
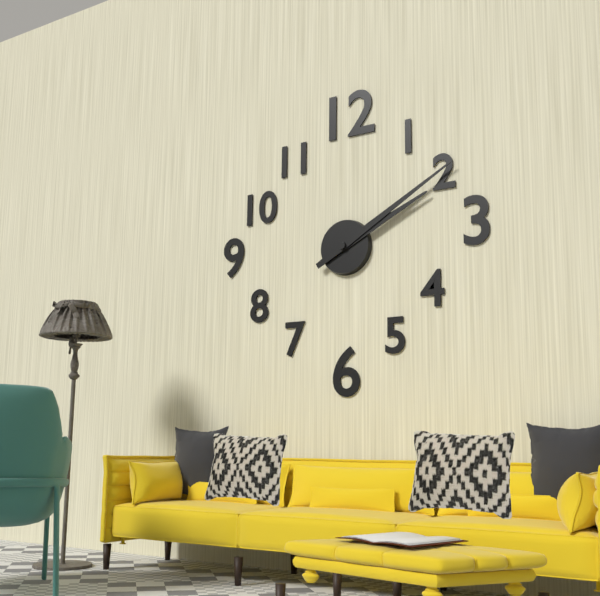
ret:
2:10
